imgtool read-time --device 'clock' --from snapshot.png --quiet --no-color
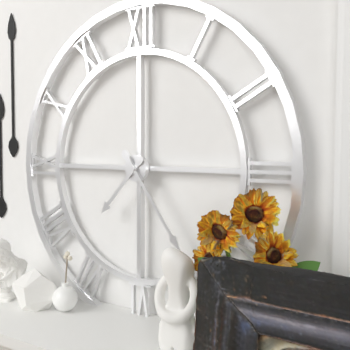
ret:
7:24
